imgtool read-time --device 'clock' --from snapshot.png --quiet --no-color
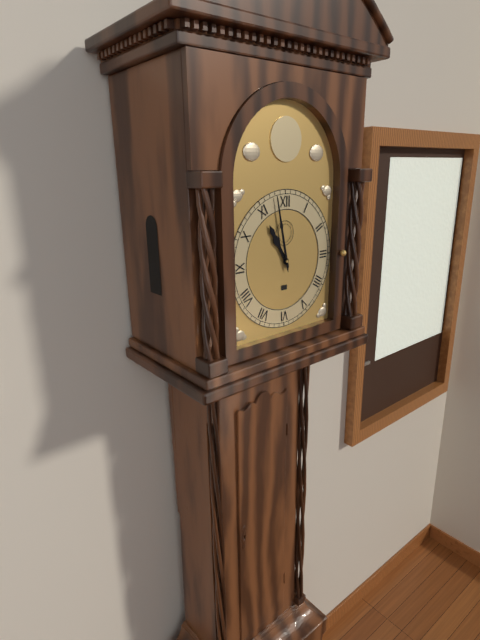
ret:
10:58
